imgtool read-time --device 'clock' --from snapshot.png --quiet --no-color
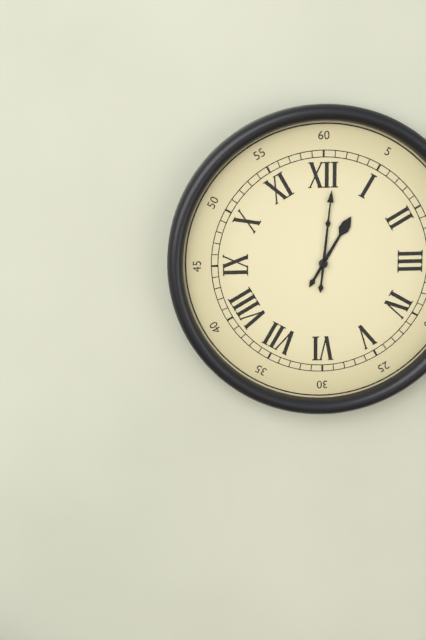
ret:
1:01
